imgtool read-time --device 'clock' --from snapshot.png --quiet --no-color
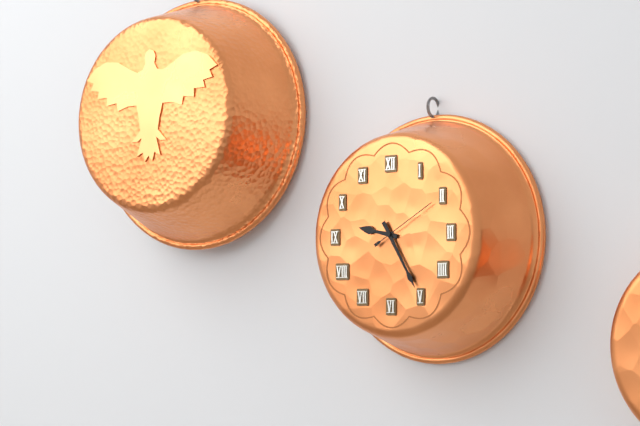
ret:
9:25:10
